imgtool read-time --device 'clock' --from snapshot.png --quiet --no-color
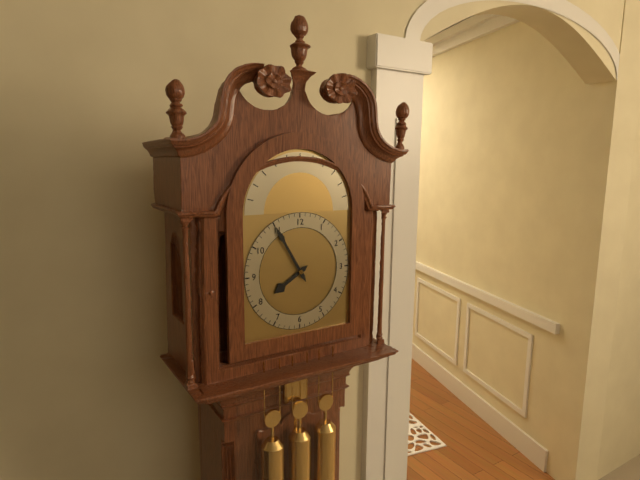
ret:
7:55
